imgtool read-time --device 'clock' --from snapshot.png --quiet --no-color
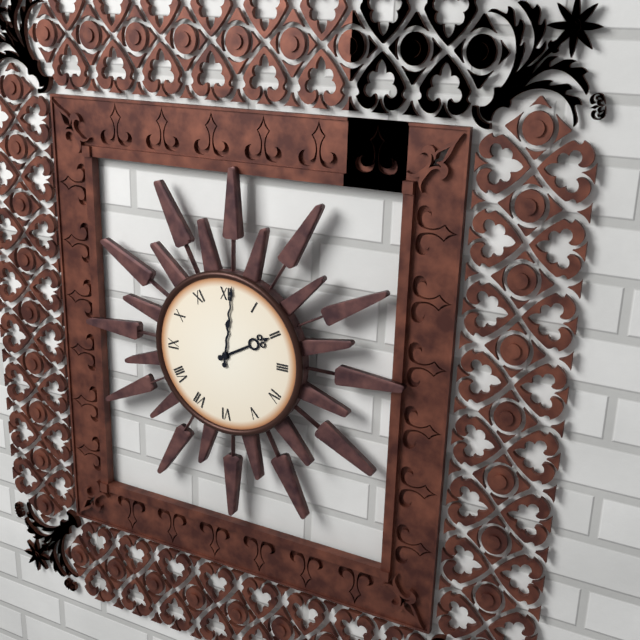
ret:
2:01
